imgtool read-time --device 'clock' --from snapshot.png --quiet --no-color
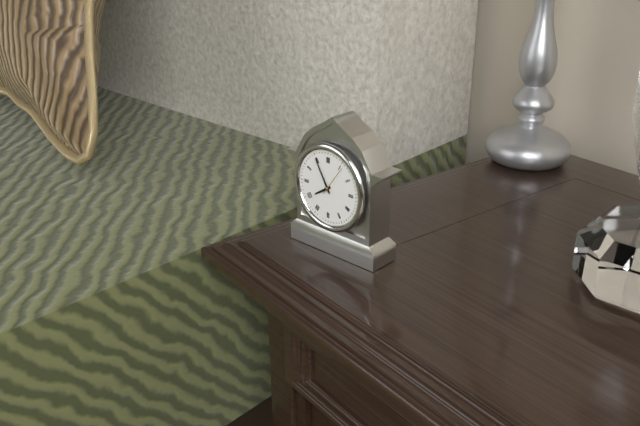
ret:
7:55
